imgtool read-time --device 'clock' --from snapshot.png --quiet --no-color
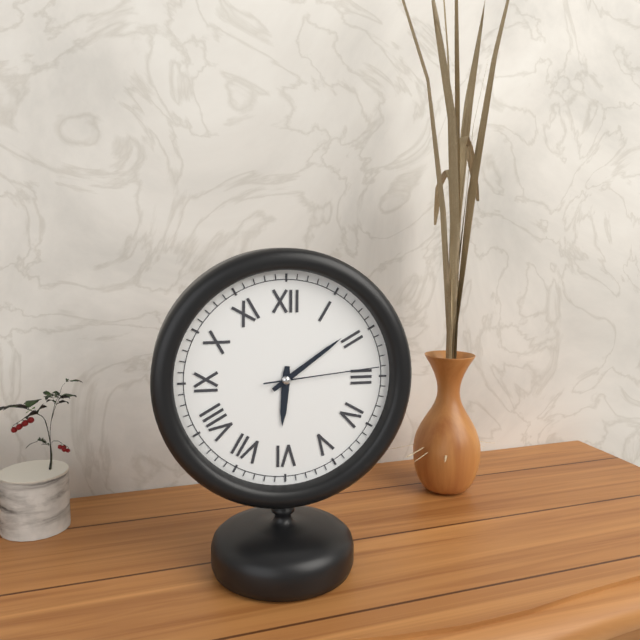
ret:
6:09:14
